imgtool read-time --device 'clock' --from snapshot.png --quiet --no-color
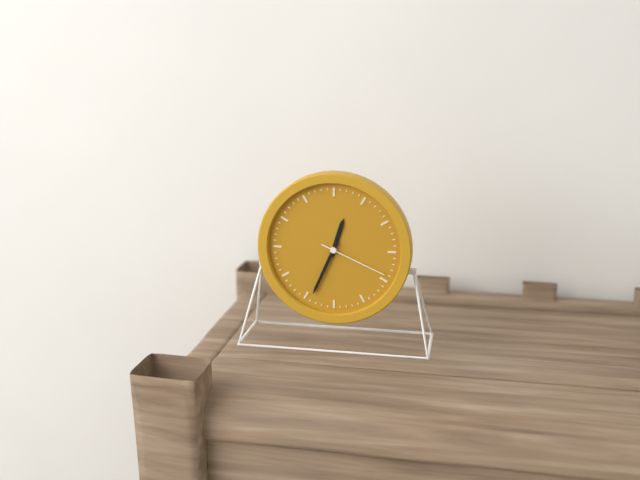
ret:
12:34:19
